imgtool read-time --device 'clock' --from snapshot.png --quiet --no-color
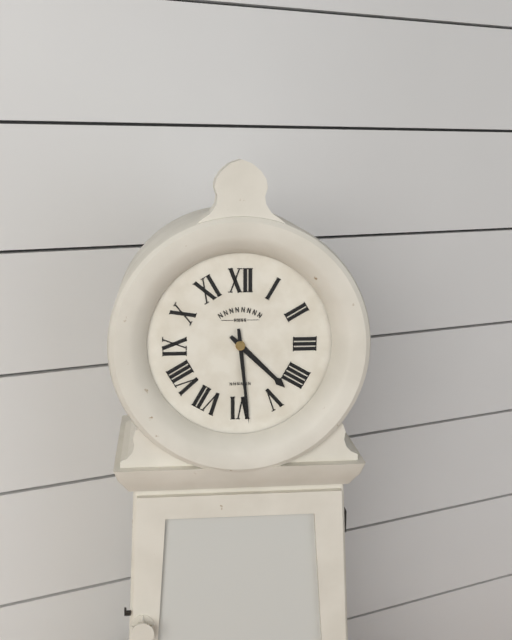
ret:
4:29
